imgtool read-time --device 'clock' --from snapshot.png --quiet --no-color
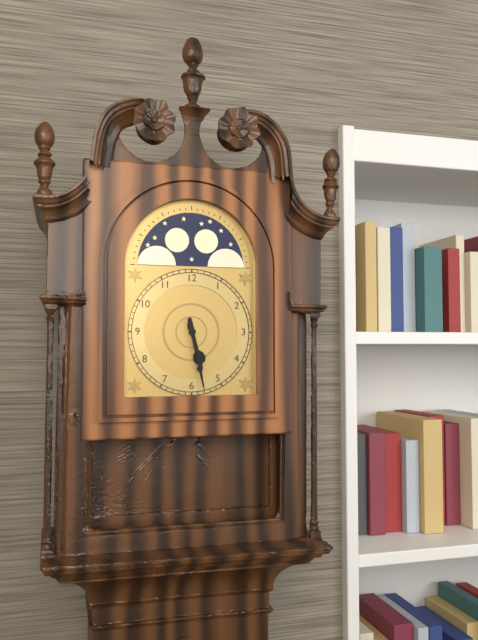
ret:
5:28
